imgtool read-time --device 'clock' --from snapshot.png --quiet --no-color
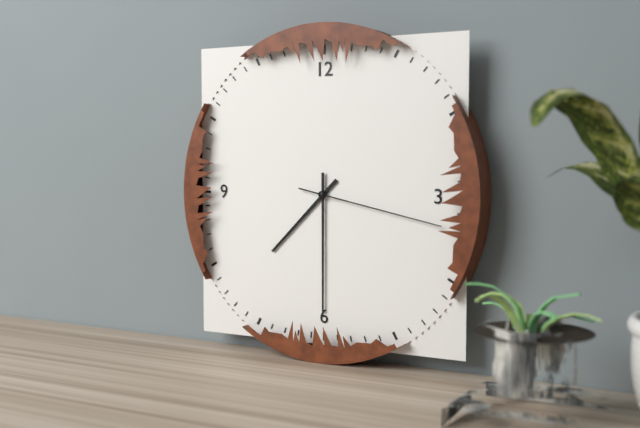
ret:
7:30:17
